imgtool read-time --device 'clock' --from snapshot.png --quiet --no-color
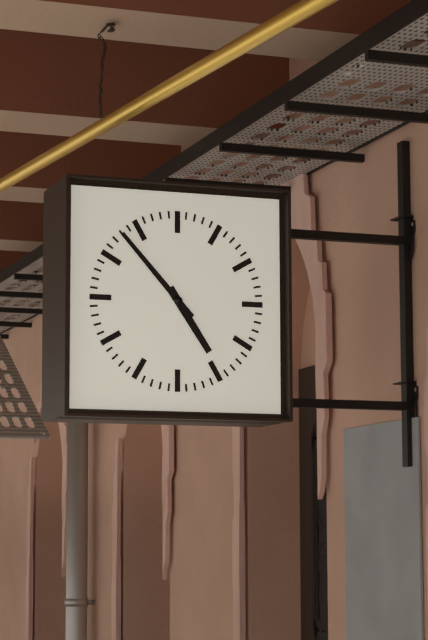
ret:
4:53
